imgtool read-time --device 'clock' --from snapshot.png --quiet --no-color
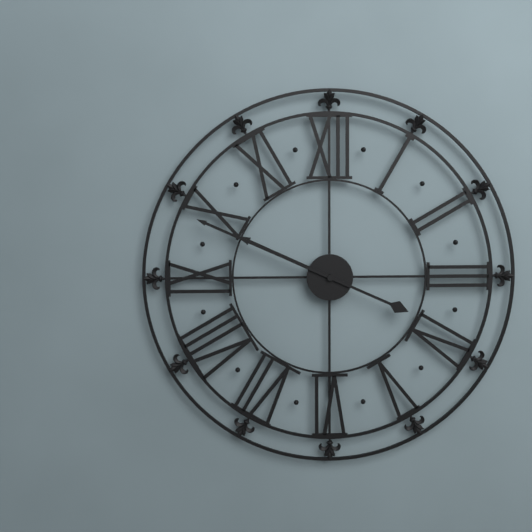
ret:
9:49
